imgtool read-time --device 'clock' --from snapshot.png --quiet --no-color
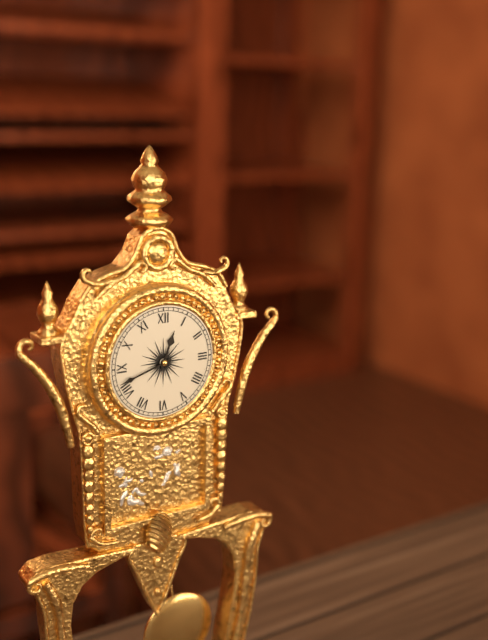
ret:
12:42
